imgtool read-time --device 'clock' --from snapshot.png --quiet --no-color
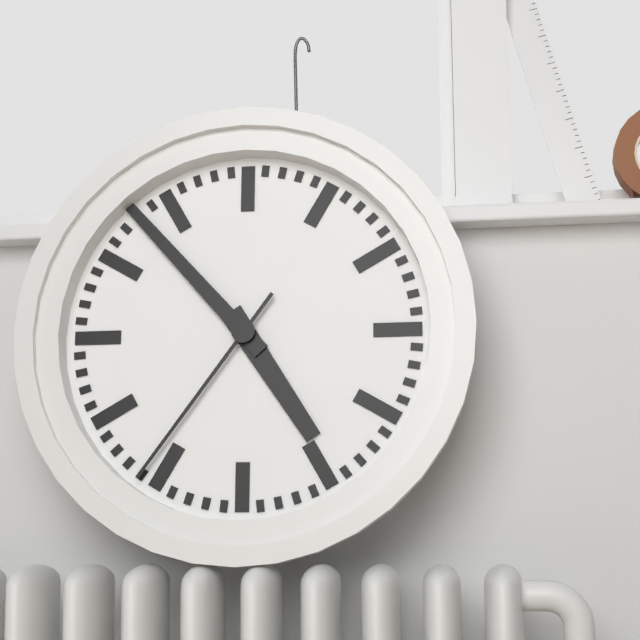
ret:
4:53:36
